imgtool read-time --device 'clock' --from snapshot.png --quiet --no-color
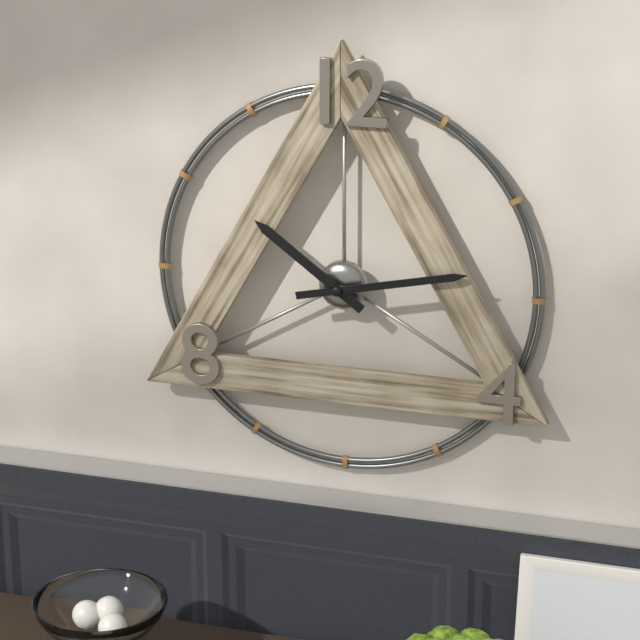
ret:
10:13
